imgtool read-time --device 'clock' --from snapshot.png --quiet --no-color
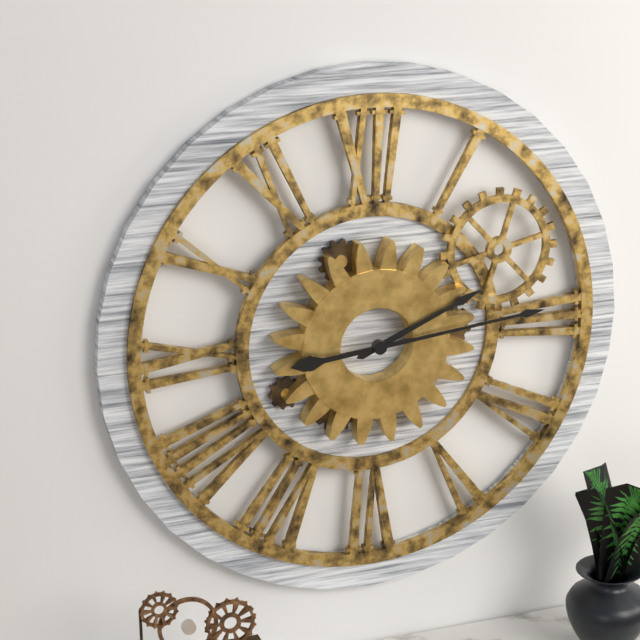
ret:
2:14
